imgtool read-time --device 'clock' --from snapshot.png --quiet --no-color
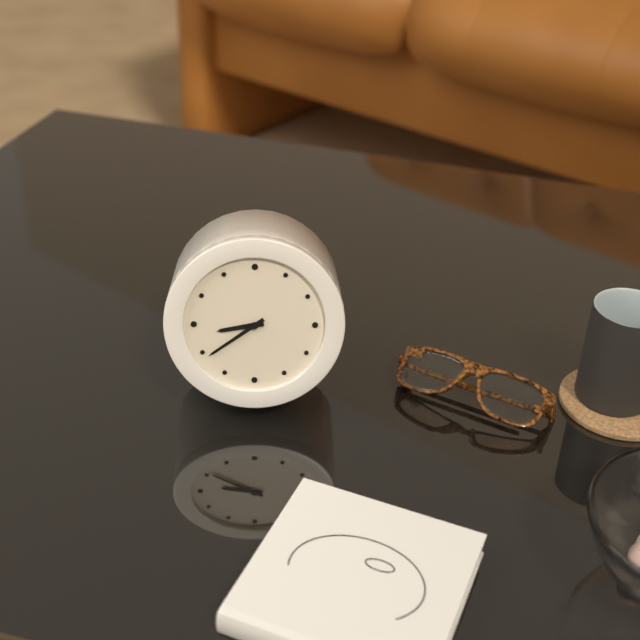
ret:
8:39
